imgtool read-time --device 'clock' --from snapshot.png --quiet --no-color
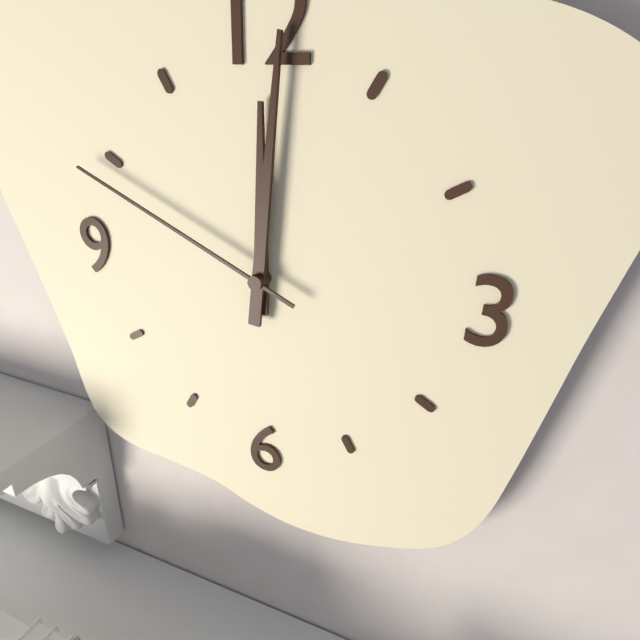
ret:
12:01:49
